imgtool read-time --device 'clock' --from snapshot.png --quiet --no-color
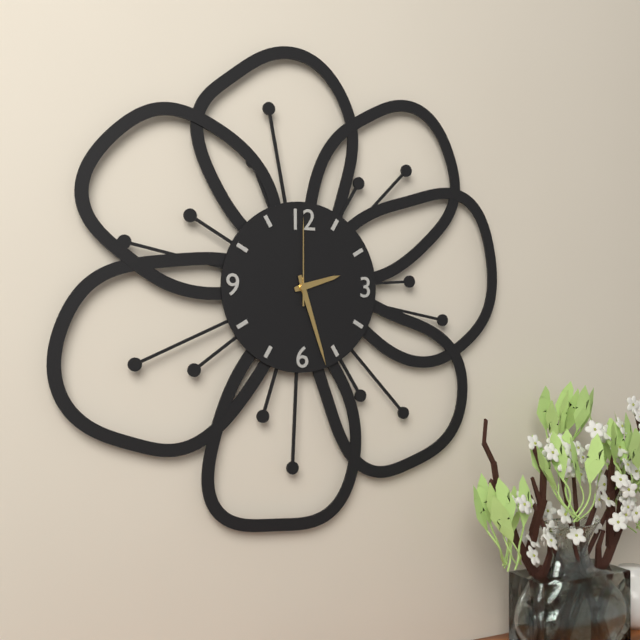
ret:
2:27:00
